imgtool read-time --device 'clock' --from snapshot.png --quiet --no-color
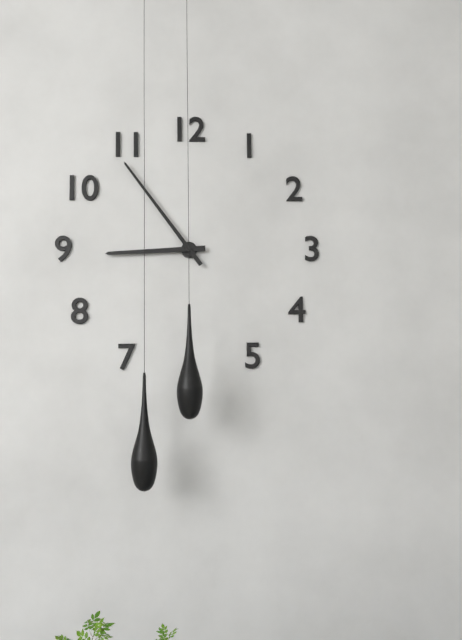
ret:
8:54
